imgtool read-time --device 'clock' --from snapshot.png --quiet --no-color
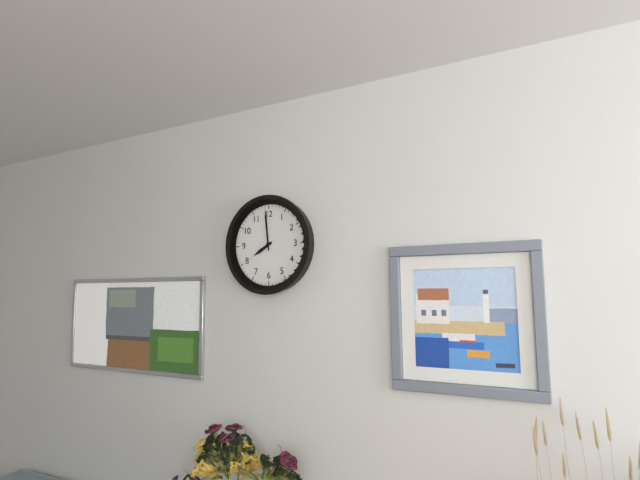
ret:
7:59
